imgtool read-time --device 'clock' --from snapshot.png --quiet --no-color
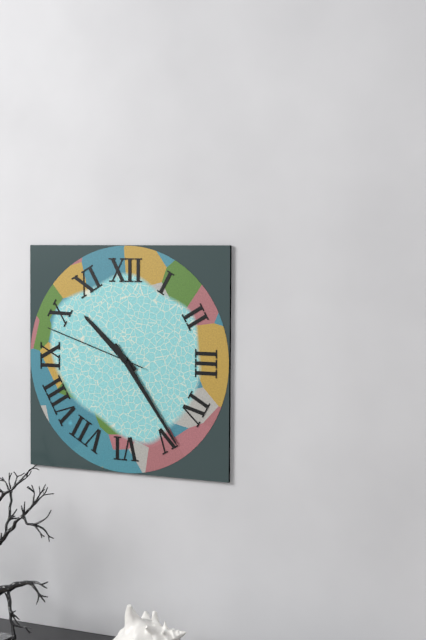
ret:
10:24:48
